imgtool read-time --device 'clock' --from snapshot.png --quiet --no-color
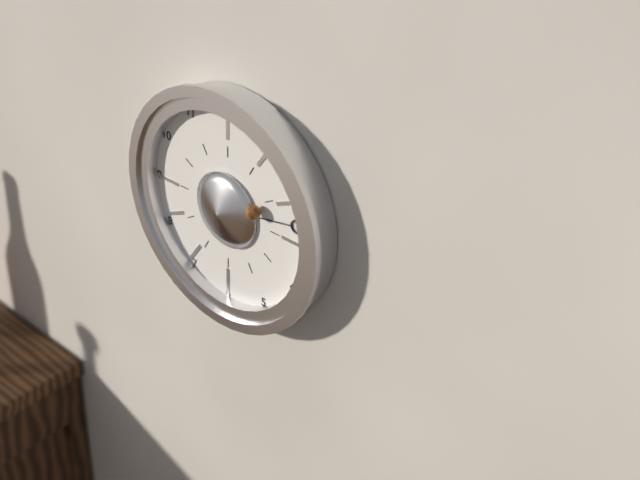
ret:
2:13
